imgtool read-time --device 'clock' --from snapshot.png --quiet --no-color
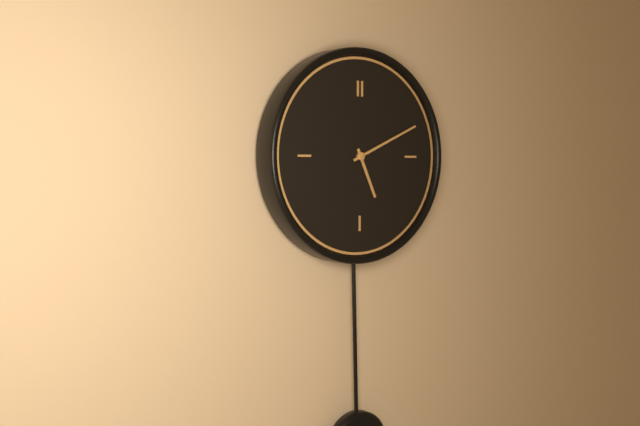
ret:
5:11
